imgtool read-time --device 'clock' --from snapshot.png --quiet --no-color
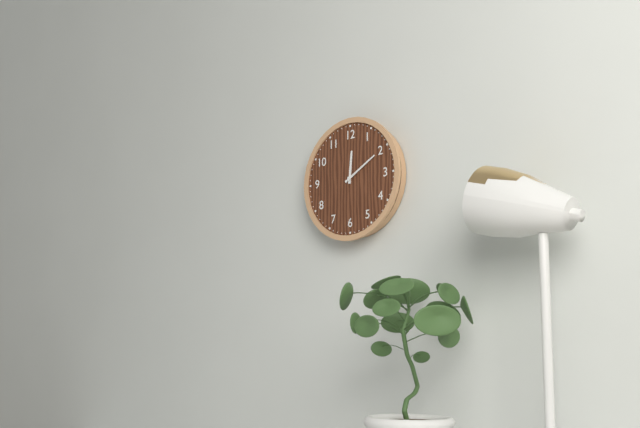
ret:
12:10
